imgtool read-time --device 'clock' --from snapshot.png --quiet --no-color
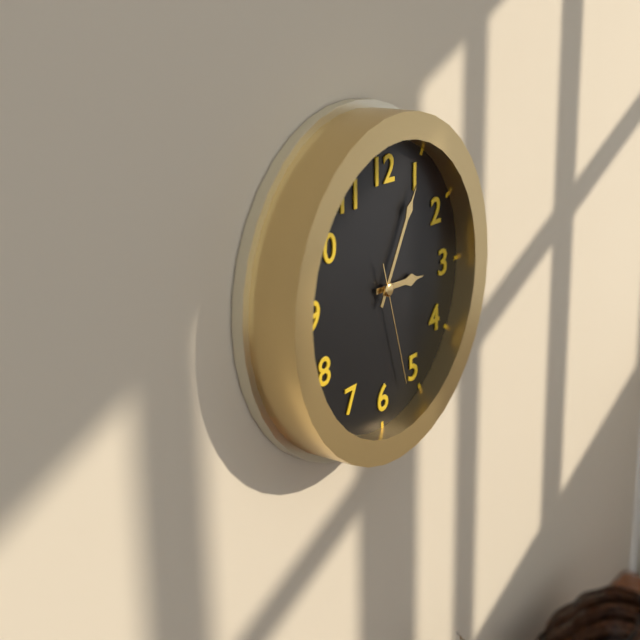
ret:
3:05:27
